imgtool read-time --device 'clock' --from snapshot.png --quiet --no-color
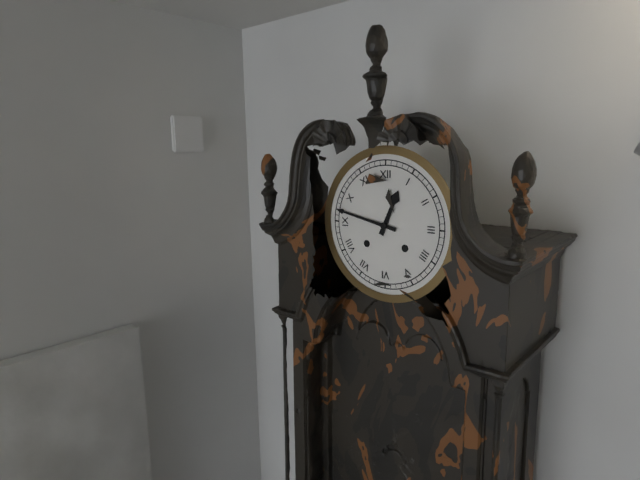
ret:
12:47
